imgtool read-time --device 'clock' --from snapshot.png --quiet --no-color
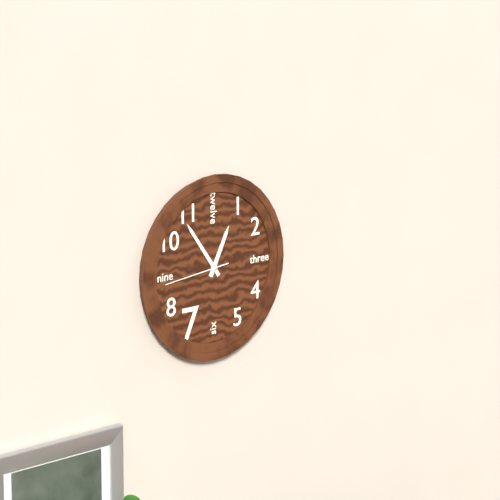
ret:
12:54:44
